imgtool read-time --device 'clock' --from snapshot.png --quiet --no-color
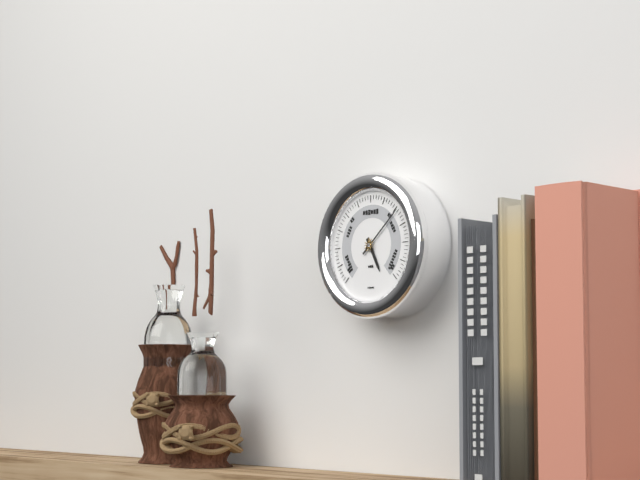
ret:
5:08
